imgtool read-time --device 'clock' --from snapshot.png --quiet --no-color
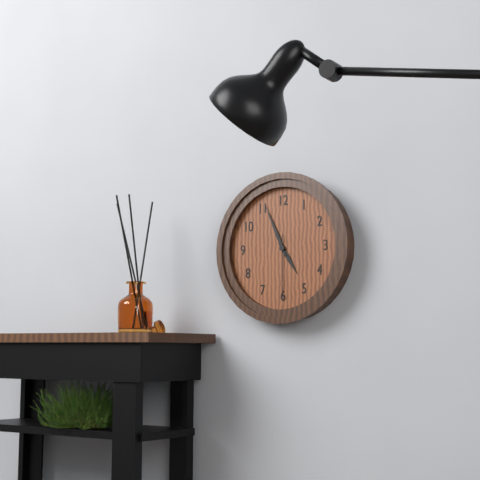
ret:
4:56:30
